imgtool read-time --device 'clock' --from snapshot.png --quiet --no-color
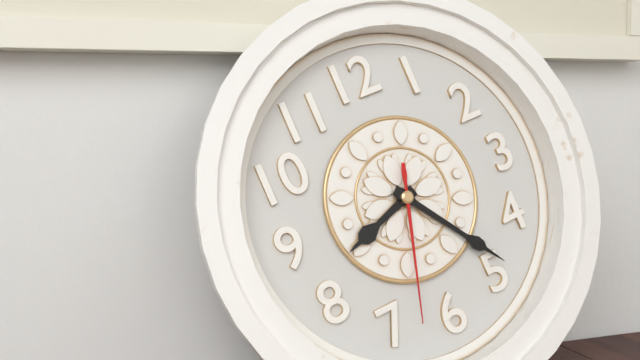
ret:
8:24:33
